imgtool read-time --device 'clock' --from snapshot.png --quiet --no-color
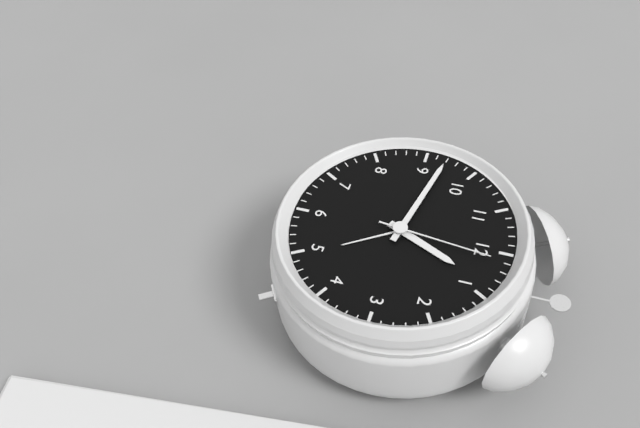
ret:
12:47:01
